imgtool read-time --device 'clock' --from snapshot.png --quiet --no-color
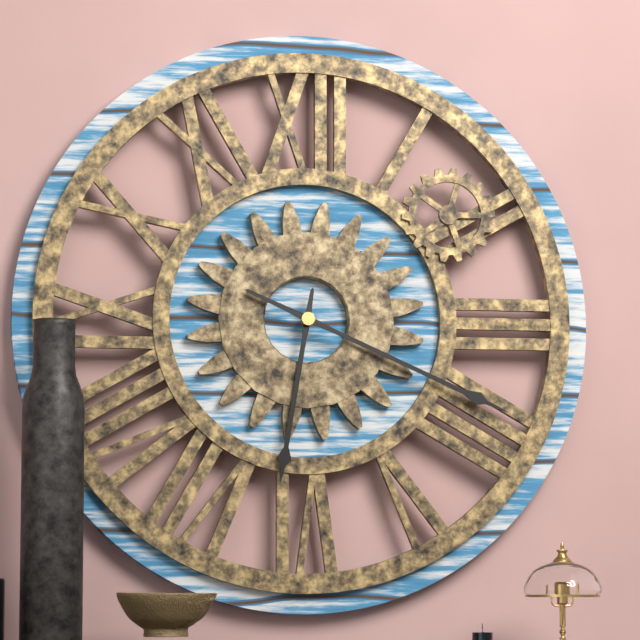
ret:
6:19
